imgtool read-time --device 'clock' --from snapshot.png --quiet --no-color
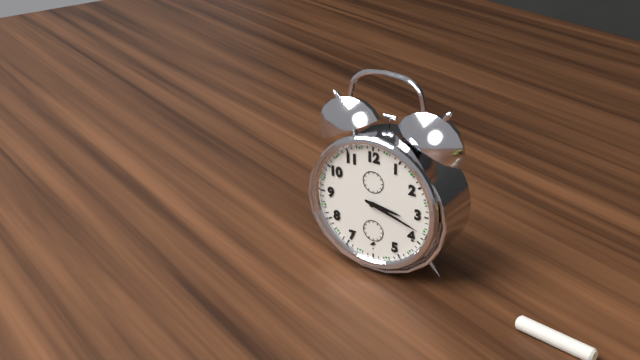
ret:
3:18
